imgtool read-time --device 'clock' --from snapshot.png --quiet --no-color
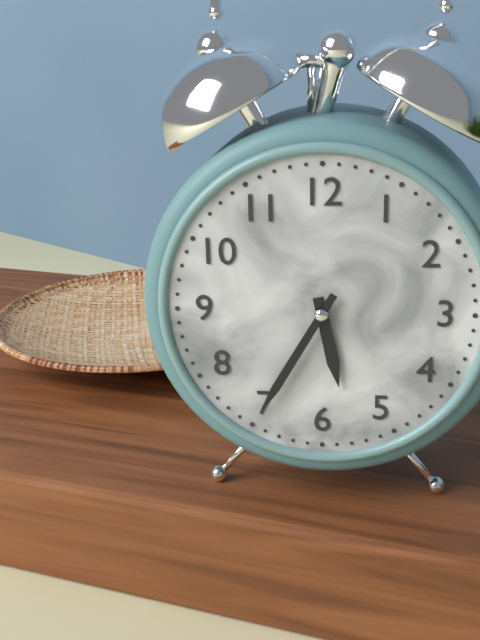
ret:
5:35
